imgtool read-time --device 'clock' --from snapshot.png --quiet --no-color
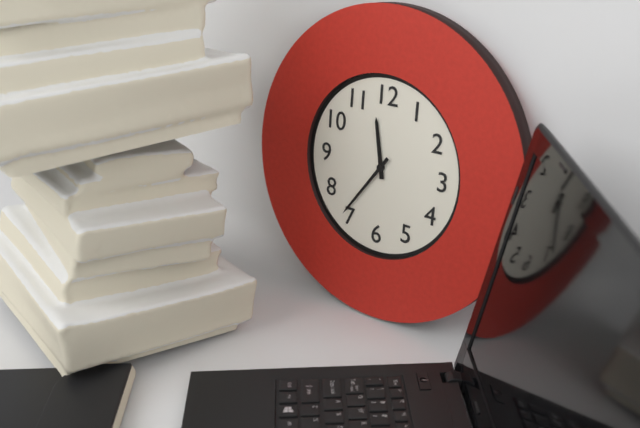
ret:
11:36
